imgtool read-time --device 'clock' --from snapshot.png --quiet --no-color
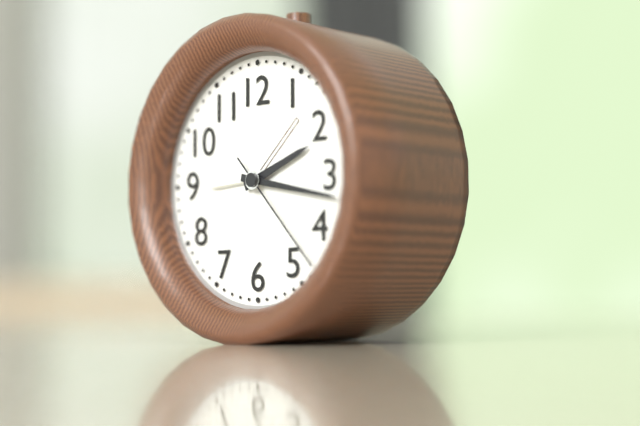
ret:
2:17:23
